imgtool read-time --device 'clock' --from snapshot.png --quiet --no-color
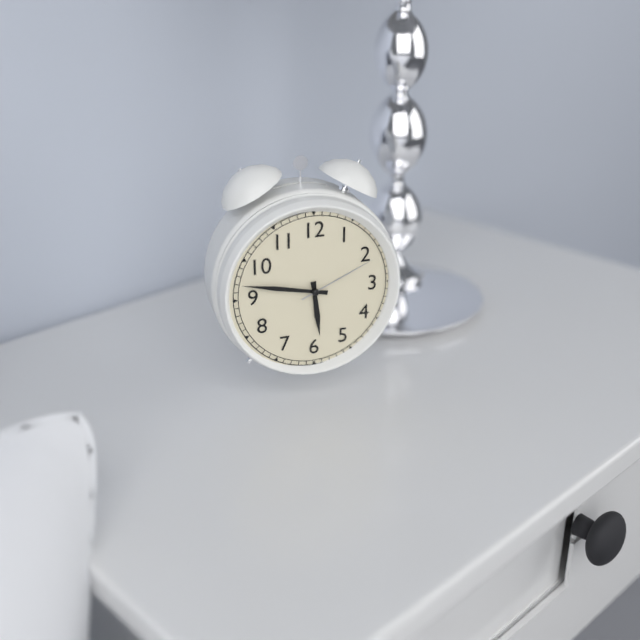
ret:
5:47:11
